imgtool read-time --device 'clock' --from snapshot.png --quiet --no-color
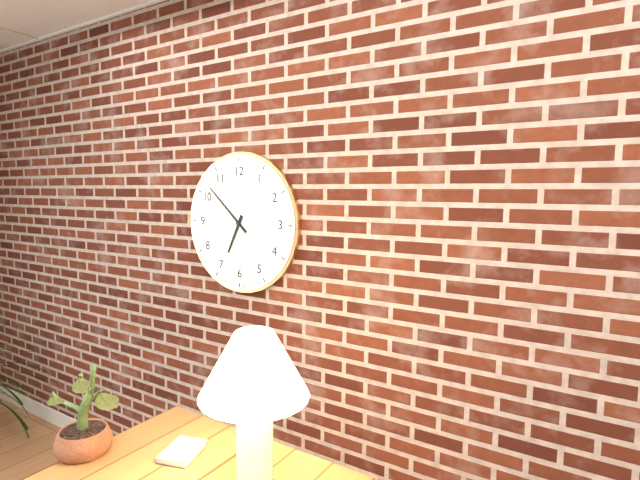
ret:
6:52
